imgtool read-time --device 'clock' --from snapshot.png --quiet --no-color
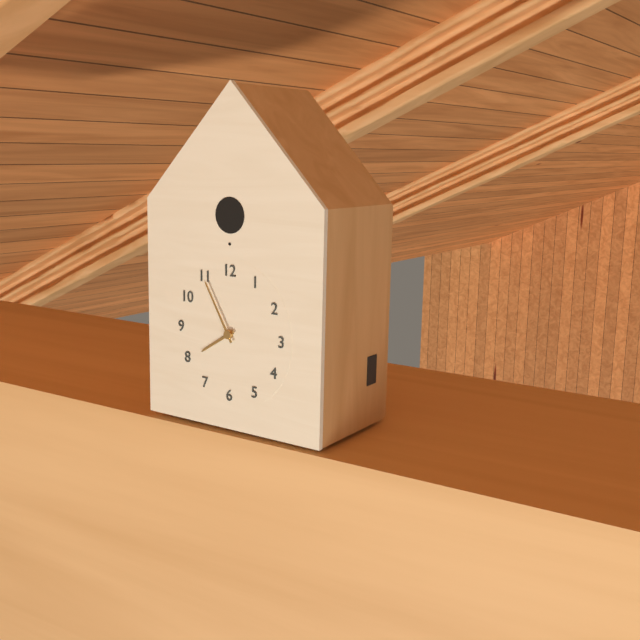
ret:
7:55
